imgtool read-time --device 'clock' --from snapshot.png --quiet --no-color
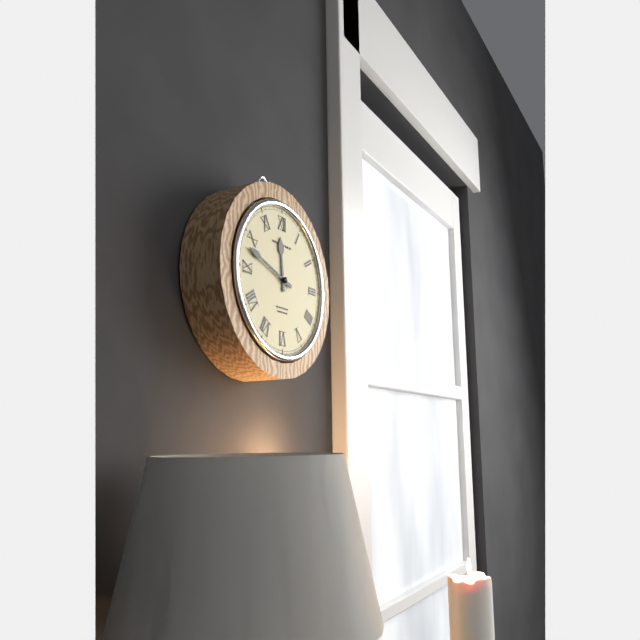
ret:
11:48
